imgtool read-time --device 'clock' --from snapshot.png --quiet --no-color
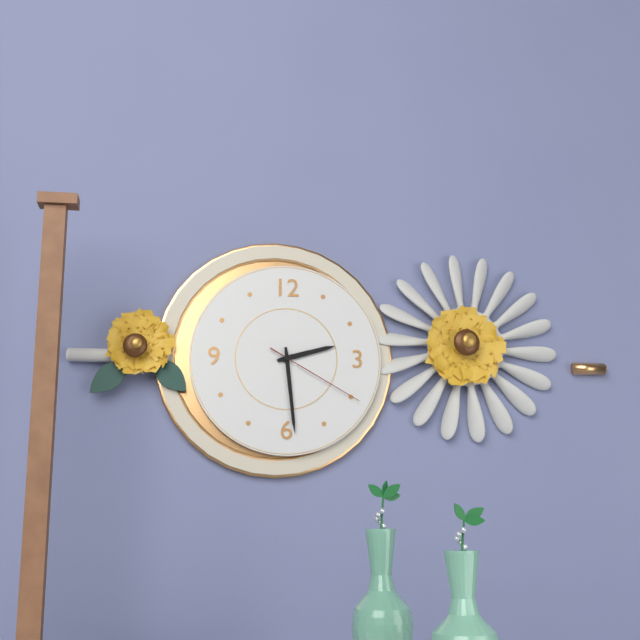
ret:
2:29:20
